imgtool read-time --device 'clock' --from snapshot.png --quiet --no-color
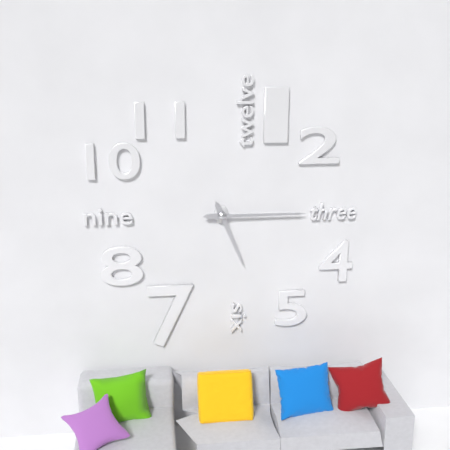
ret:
5:15
